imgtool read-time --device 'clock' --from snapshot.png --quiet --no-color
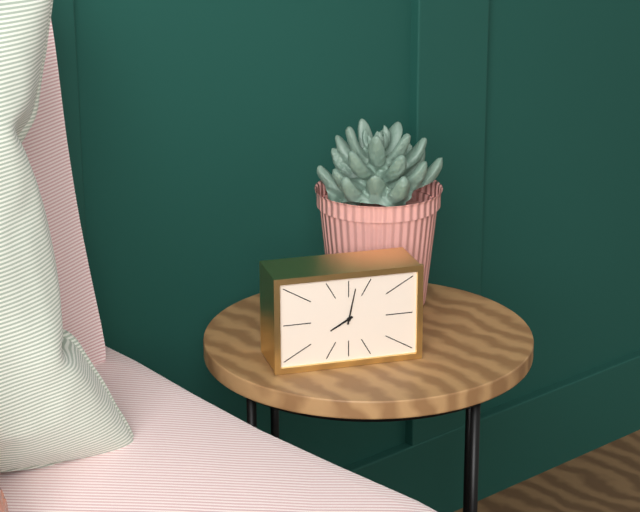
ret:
8:02
